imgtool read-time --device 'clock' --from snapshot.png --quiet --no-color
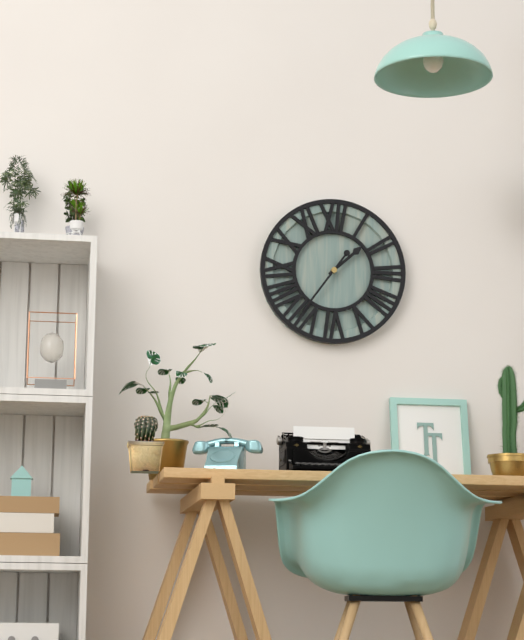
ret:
1:36
